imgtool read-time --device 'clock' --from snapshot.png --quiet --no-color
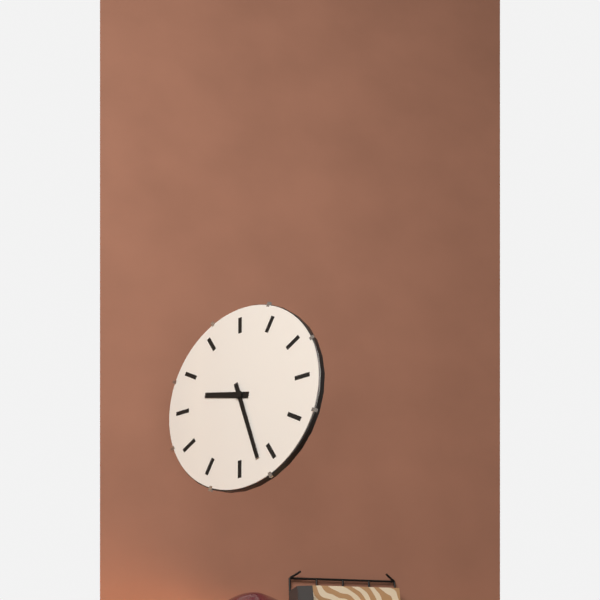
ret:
9:27
